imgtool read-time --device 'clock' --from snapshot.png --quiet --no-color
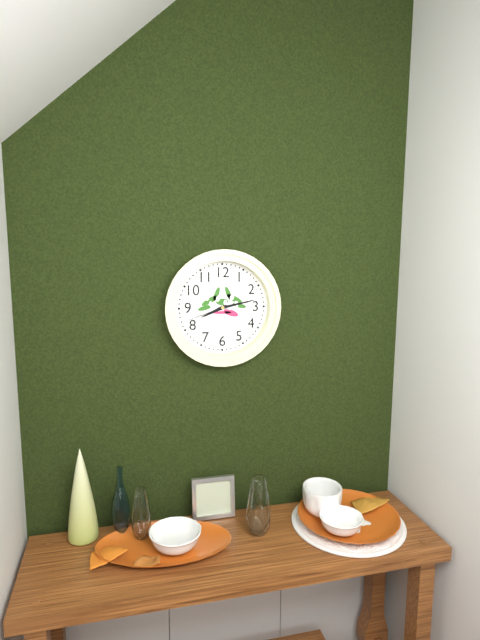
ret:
8:13
